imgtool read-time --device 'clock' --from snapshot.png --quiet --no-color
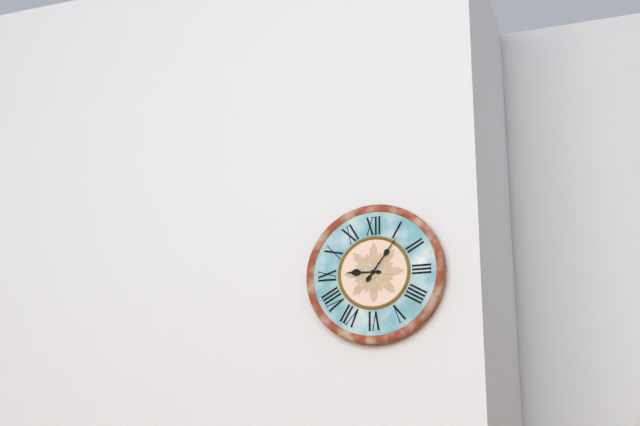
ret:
9:06
